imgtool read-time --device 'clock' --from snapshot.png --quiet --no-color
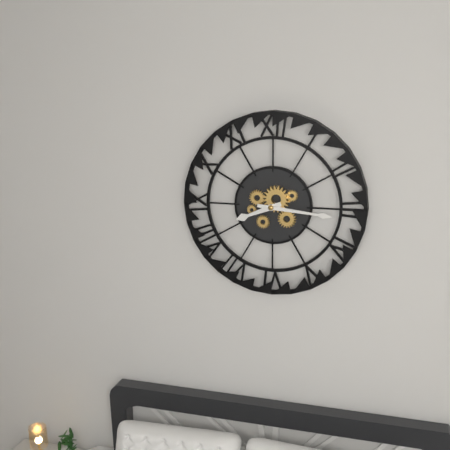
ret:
8:16
